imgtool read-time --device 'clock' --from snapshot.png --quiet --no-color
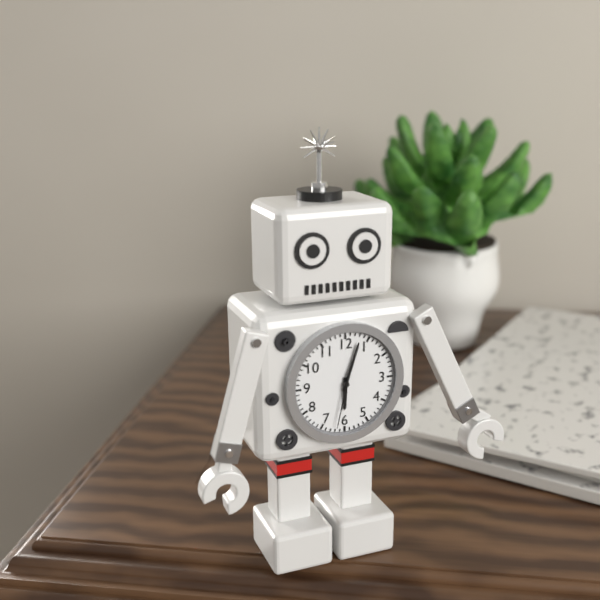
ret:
6:03:32
